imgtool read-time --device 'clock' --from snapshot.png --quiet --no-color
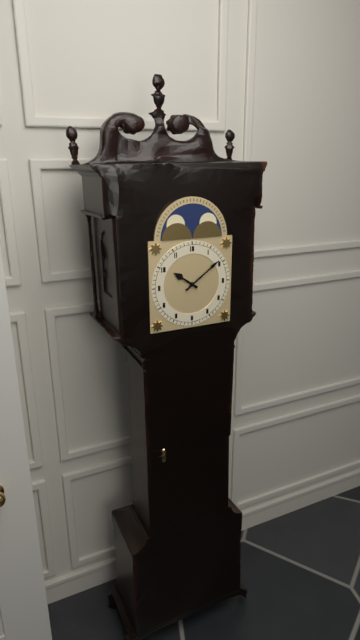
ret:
10:09
